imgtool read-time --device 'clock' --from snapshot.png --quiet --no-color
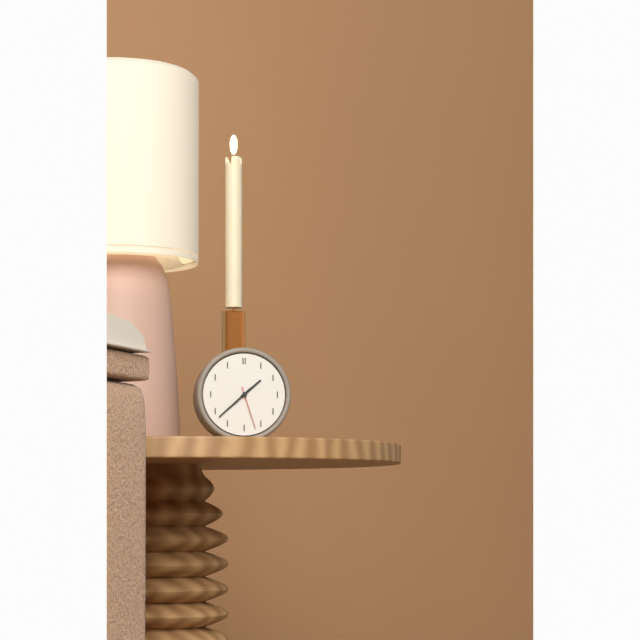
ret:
1:38
